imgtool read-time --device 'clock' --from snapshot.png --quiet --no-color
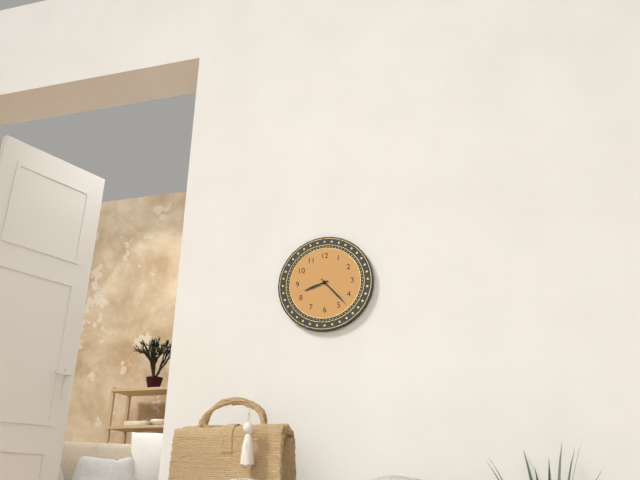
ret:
8:23
